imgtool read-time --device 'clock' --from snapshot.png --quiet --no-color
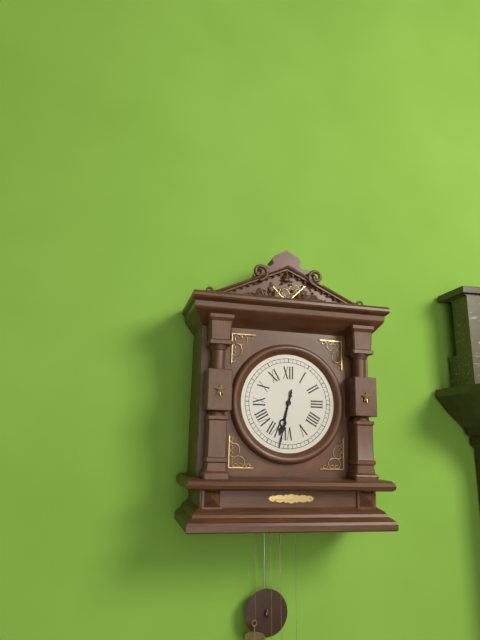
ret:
6:32
